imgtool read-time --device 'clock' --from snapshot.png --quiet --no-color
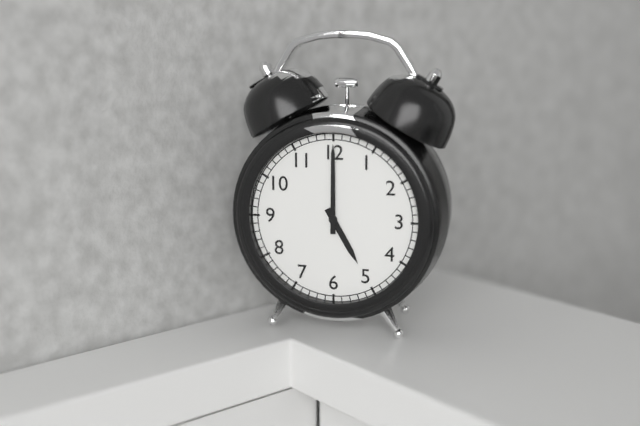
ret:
5:00
